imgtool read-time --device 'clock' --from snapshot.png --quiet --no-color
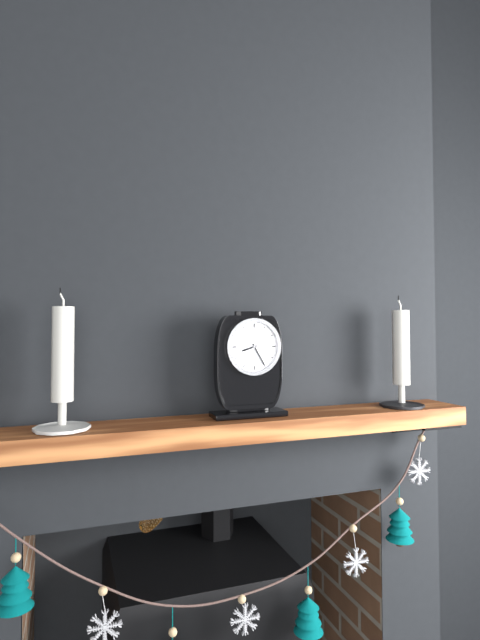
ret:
8:25
